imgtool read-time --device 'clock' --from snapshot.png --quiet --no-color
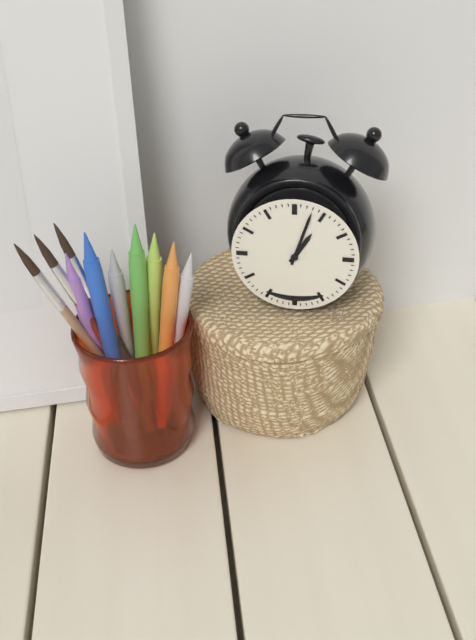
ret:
1:03
